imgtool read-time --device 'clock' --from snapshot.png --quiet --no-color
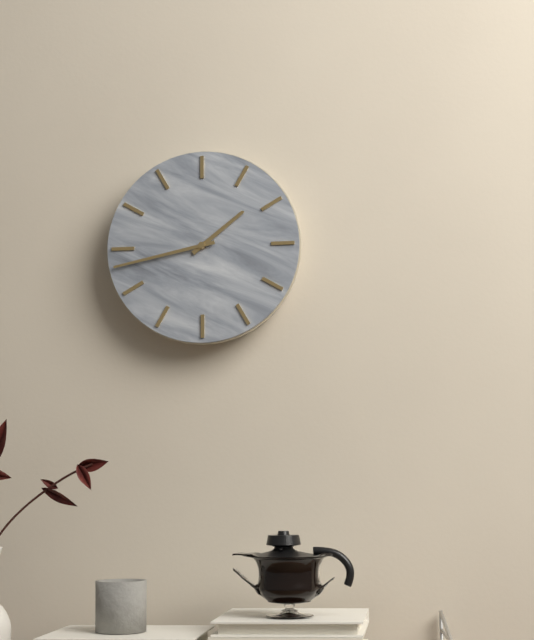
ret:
1:43
